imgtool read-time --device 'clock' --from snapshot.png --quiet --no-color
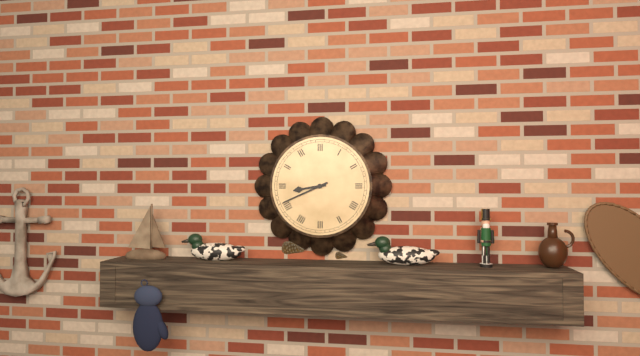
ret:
8:41
